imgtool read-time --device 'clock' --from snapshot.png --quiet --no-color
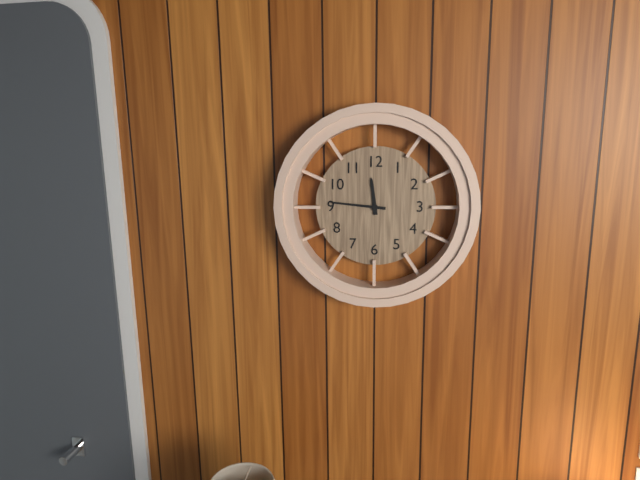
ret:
11:46
